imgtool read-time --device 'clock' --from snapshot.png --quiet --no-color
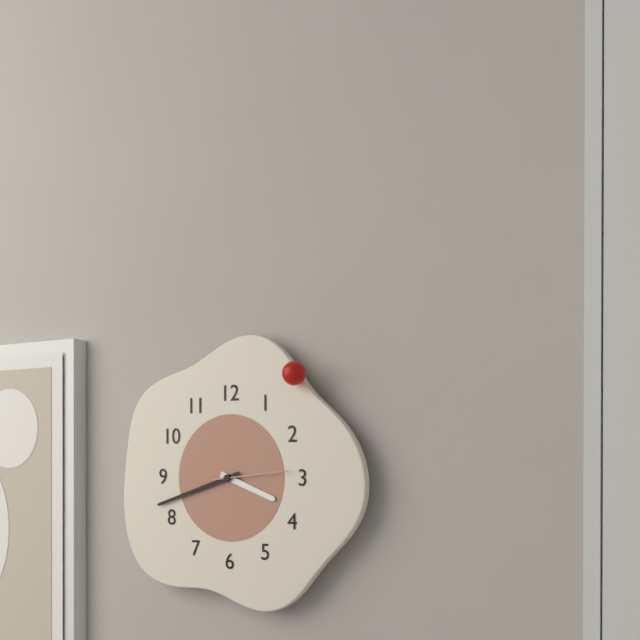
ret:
3:42:14
